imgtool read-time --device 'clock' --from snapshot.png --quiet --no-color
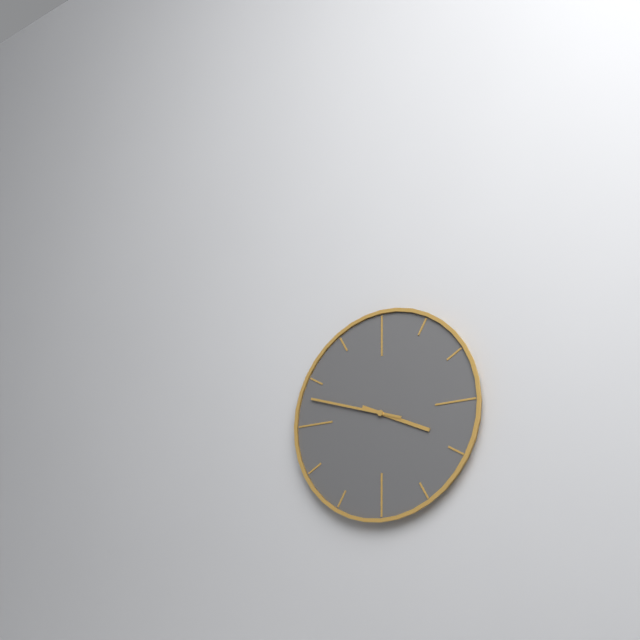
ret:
3:48
